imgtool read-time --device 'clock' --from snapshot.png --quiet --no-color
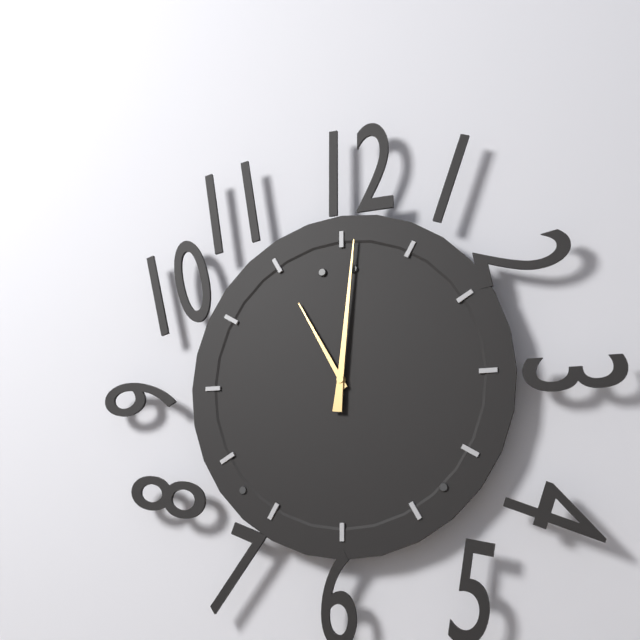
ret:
11:01
